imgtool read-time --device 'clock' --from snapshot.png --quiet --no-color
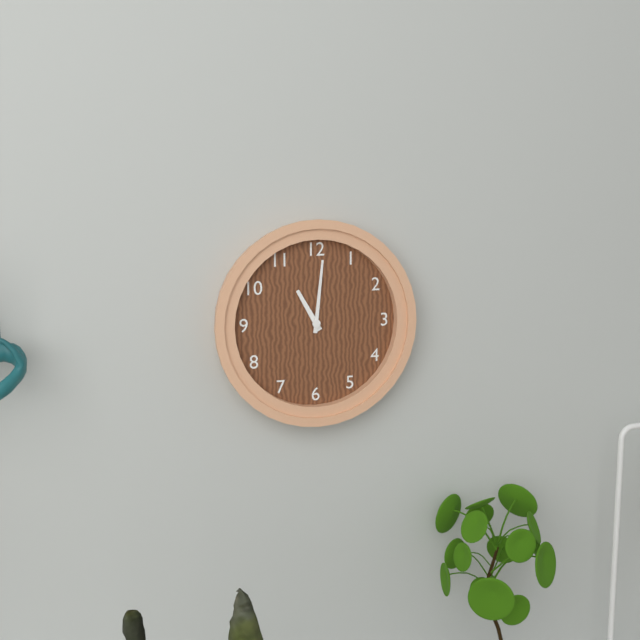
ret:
11:01
